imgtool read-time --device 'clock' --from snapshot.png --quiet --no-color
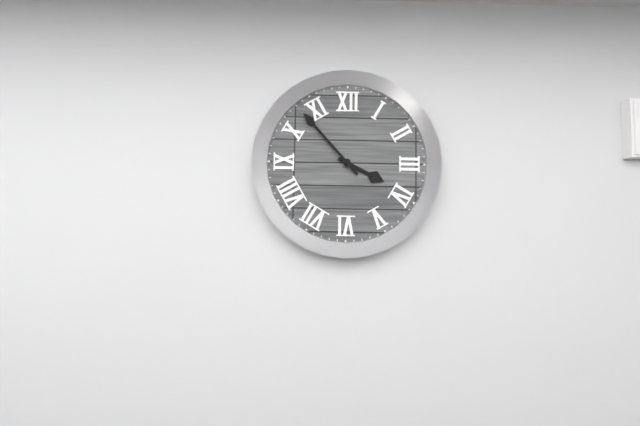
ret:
3:53
